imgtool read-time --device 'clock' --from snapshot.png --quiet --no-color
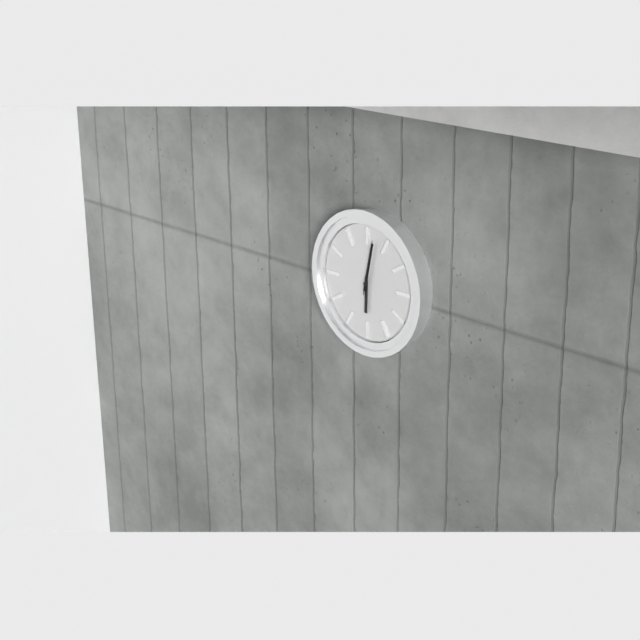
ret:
6:02:02
